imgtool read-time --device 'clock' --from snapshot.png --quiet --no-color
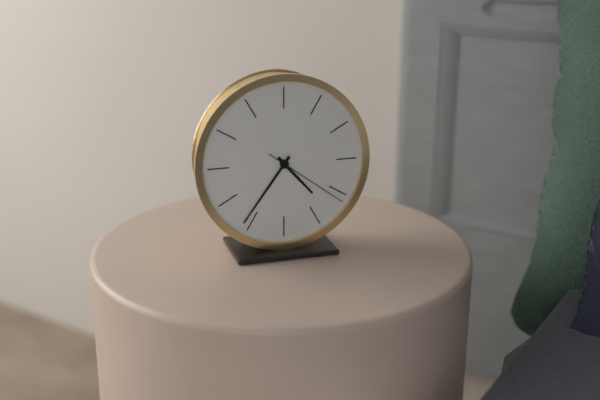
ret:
4:36:21
